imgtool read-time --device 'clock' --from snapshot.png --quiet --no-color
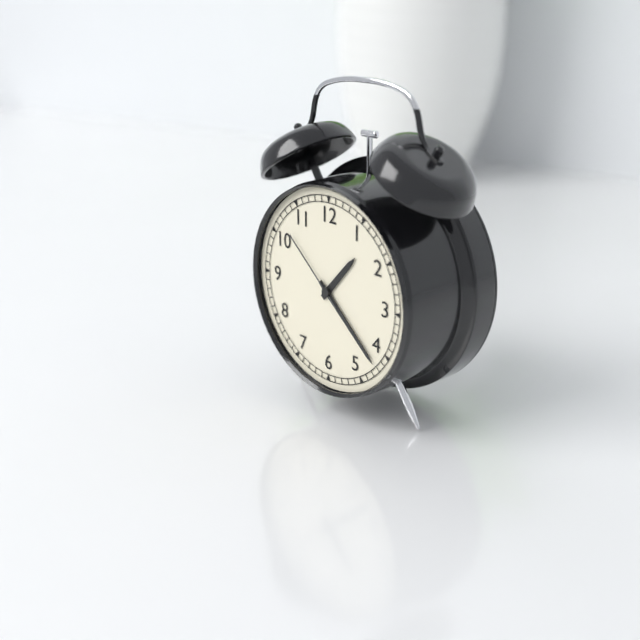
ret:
1:22:52
